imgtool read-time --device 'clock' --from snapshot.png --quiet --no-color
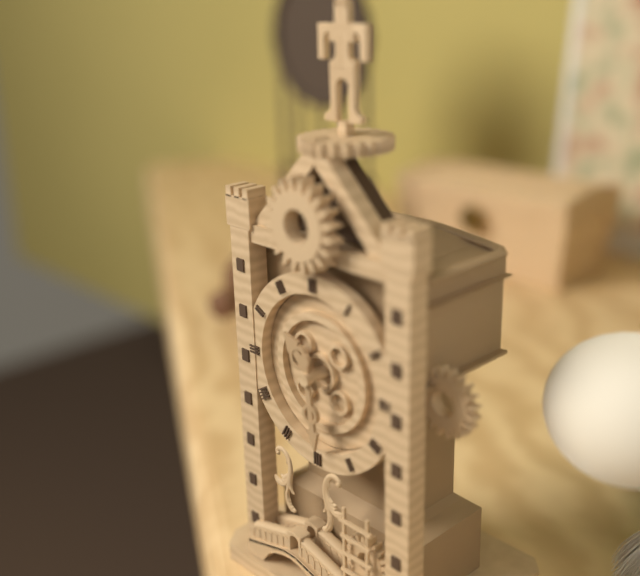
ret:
10:29
